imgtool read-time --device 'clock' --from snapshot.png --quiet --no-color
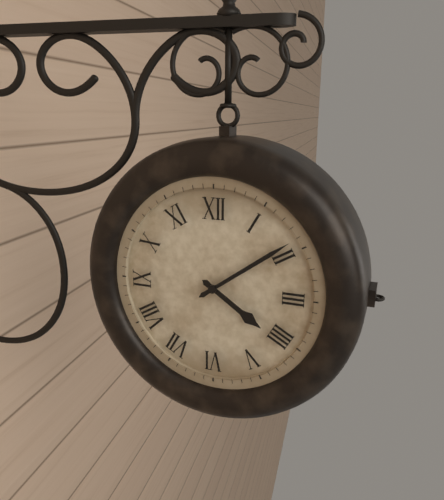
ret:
4:09
